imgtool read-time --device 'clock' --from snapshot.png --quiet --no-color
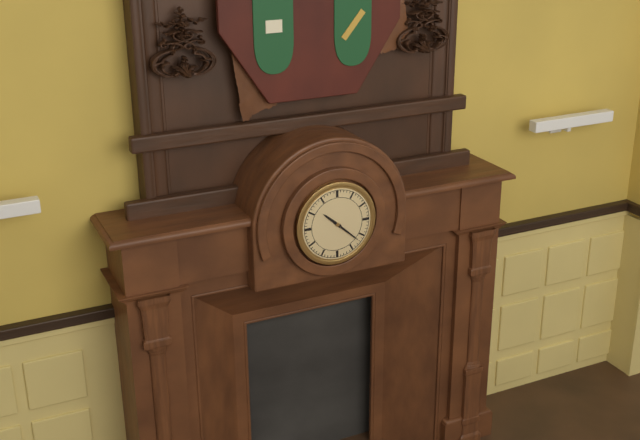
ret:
10:22
